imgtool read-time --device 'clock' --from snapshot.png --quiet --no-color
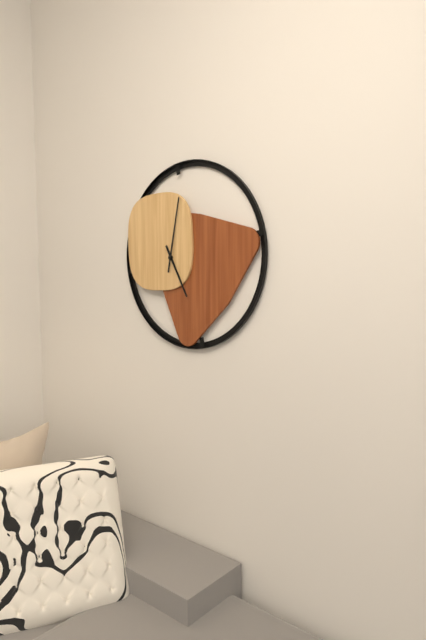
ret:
5:02
